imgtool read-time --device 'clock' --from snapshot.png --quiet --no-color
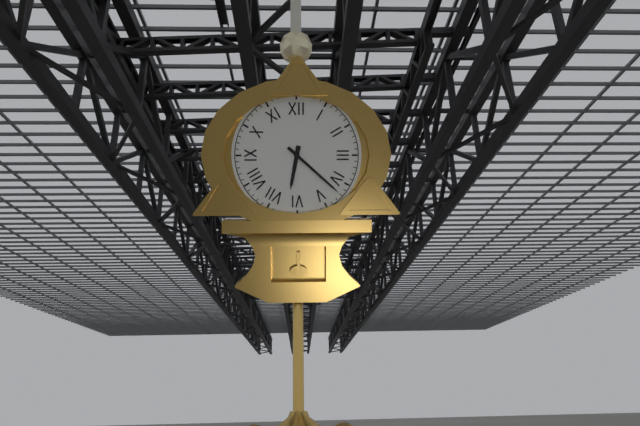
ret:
6:22
